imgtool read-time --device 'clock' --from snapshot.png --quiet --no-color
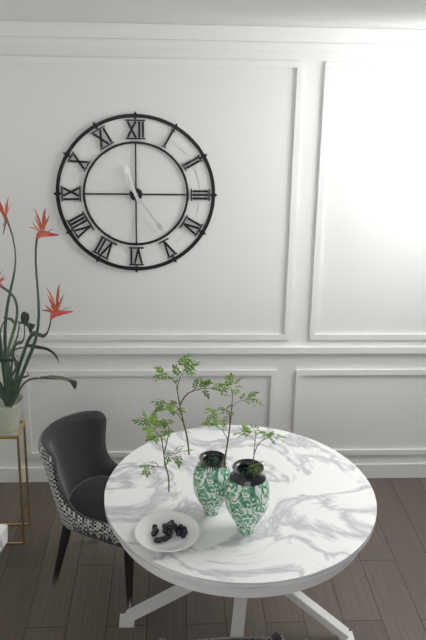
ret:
11:24
